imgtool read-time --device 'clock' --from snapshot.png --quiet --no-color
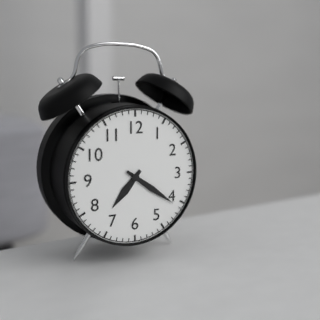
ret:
7:21
